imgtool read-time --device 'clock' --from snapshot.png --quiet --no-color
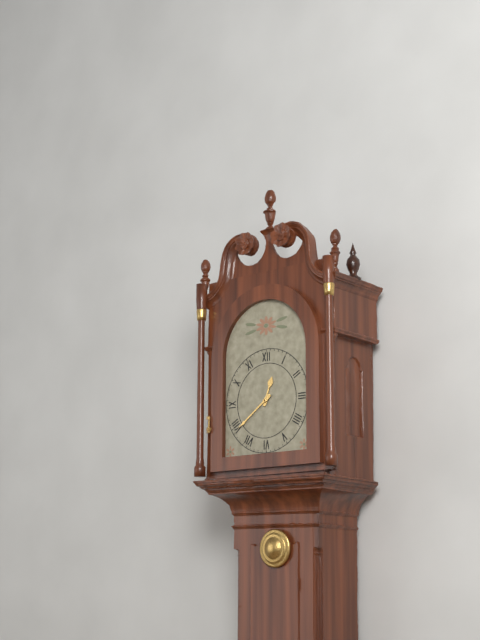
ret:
12:39
